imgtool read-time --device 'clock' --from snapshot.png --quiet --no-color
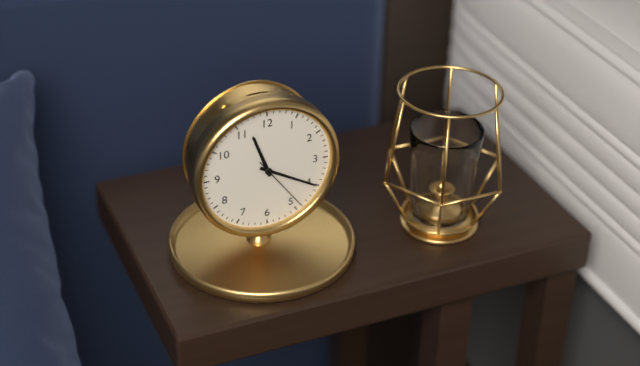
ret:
11:20:24
